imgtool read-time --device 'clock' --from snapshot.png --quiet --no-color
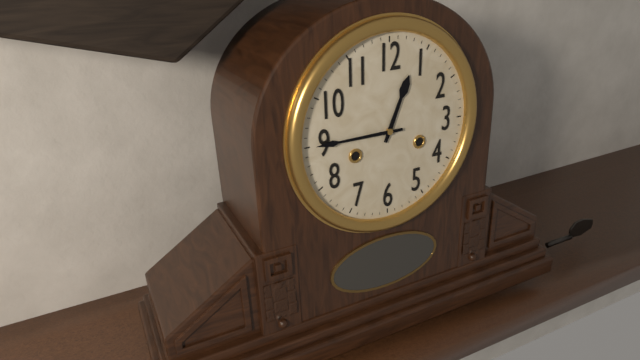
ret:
12:45
